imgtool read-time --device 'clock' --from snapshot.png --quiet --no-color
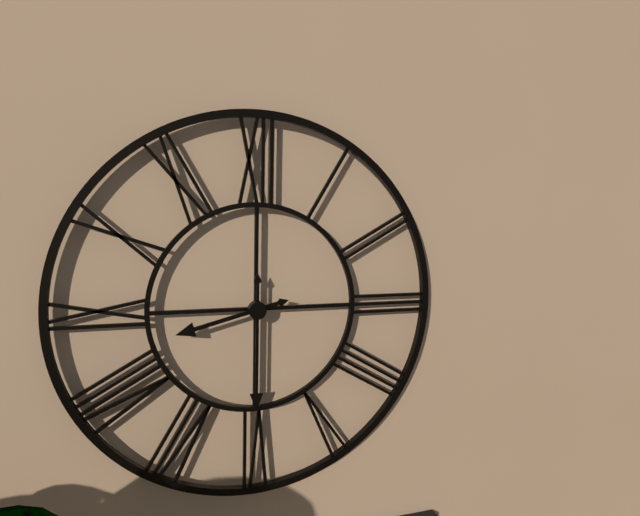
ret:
8:30
